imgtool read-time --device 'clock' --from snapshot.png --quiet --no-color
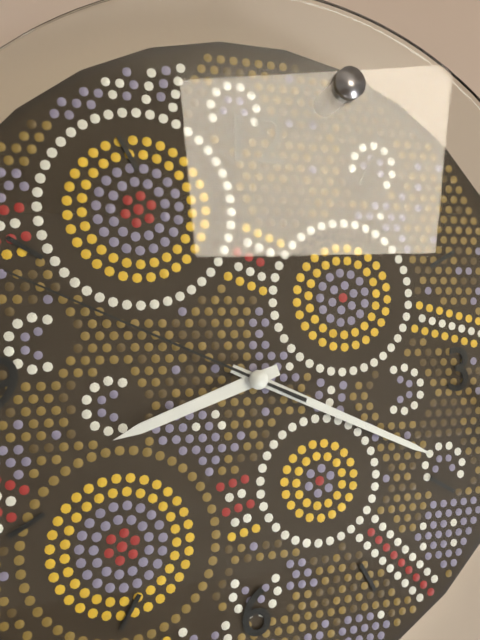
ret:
8:19:49
